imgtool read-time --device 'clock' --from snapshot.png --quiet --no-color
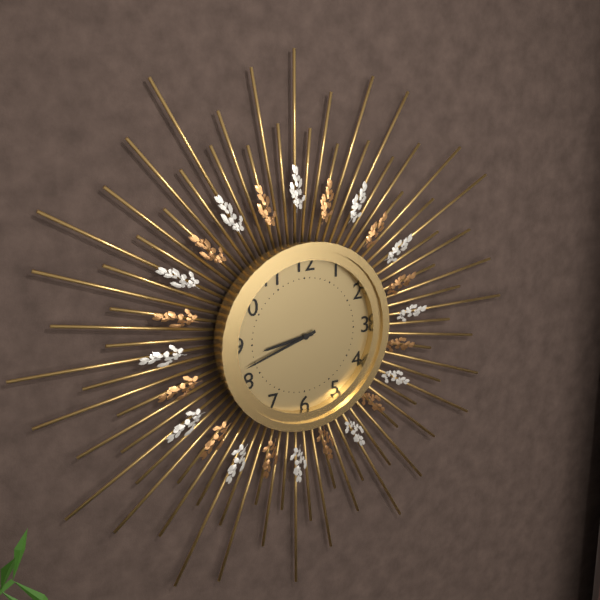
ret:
8:42
